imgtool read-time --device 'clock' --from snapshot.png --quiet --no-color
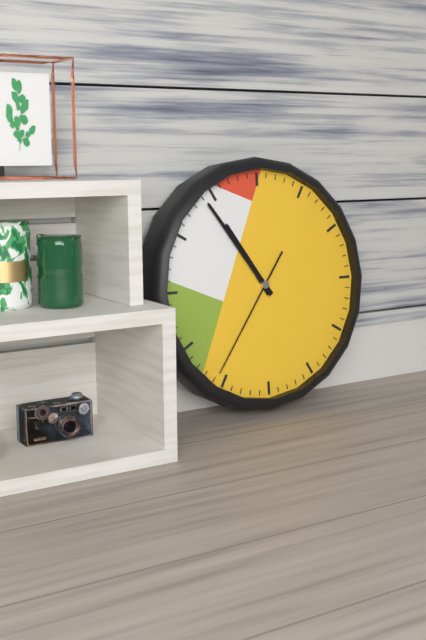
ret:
10:54:36
